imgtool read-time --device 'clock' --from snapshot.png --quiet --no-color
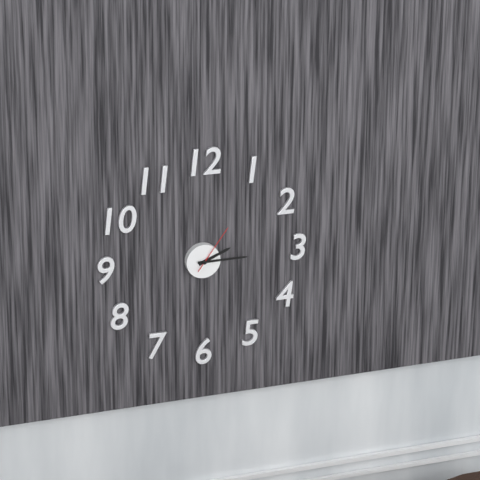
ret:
2:15:06
